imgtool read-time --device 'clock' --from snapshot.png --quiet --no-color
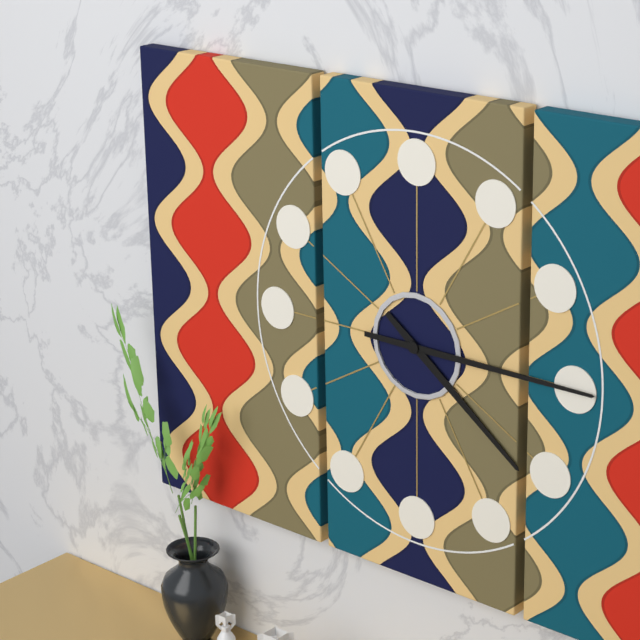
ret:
4:15
